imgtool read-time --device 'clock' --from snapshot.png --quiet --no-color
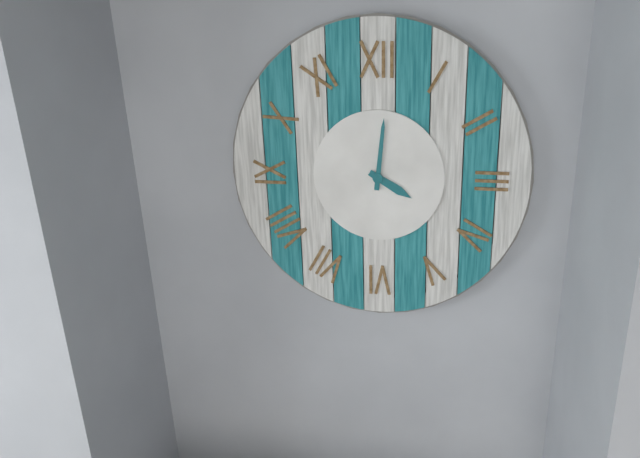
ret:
4:01
